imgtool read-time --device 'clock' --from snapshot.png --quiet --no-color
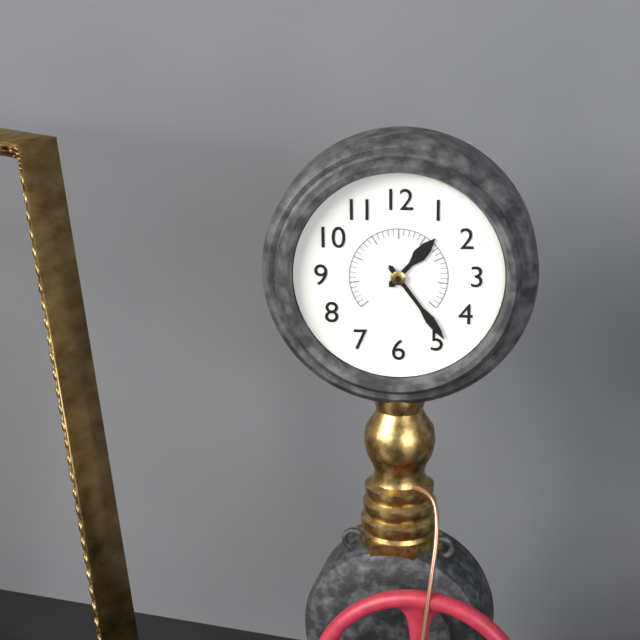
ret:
1:24
